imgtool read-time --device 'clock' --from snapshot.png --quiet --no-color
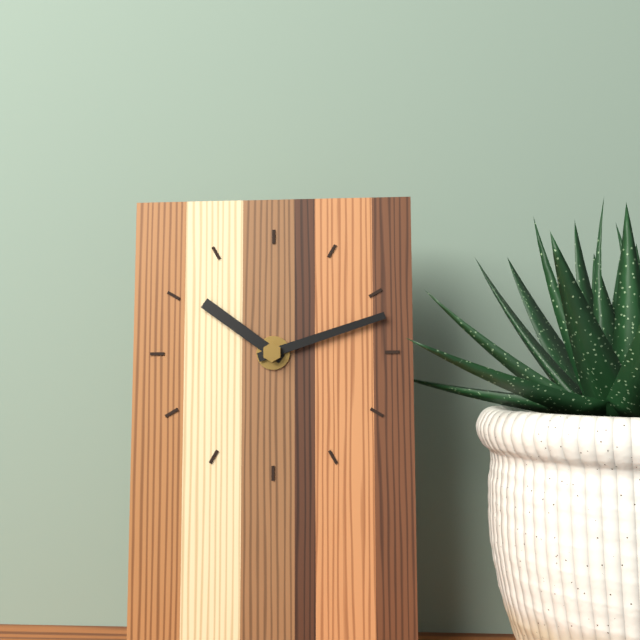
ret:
10:12
